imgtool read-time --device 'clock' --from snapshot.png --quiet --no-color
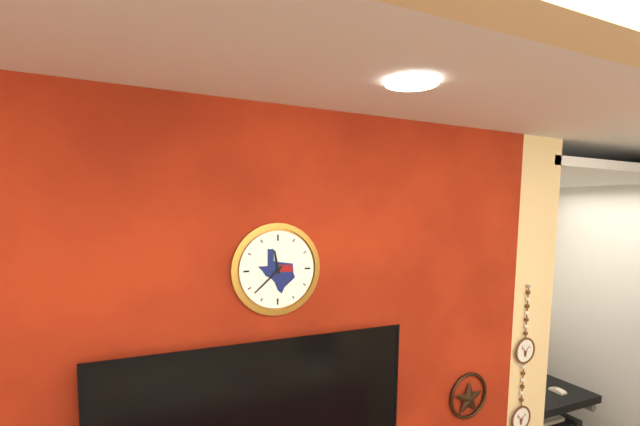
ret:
11:38
